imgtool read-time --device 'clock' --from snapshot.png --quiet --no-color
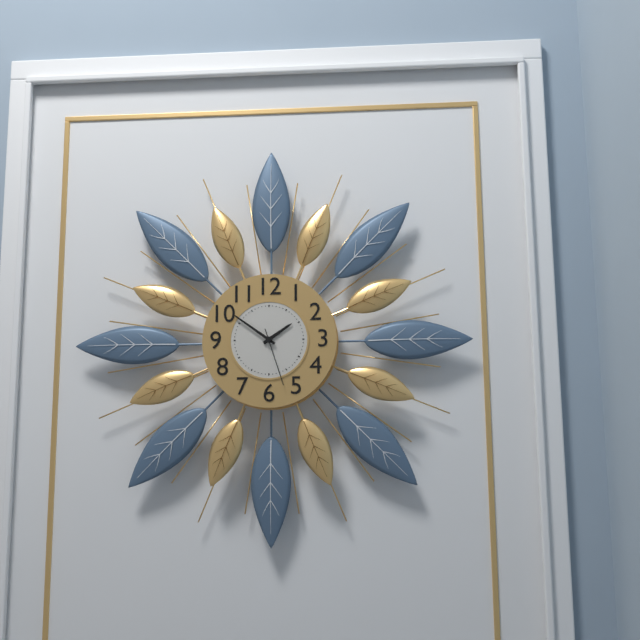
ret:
1:51:27
